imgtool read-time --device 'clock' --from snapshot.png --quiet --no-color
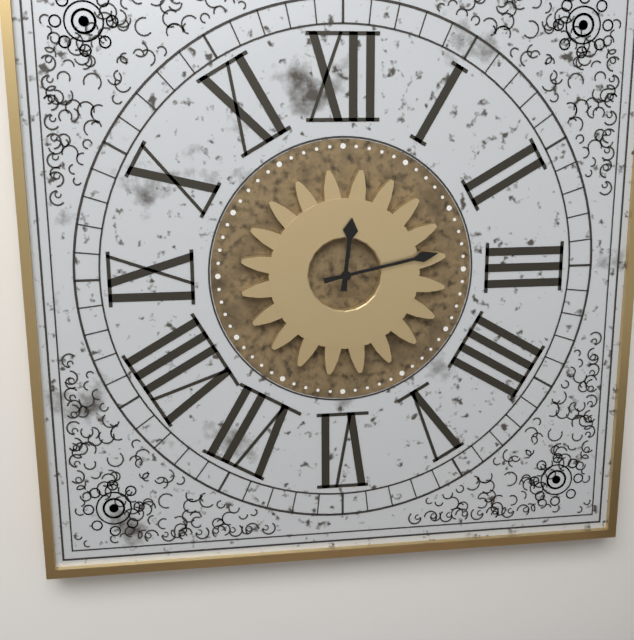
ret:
12:13
